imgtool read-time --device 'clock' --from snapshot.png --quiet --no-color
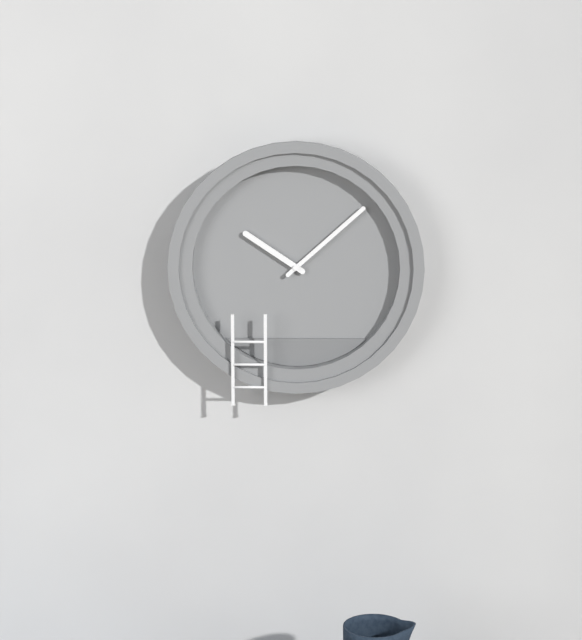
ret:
10:08
